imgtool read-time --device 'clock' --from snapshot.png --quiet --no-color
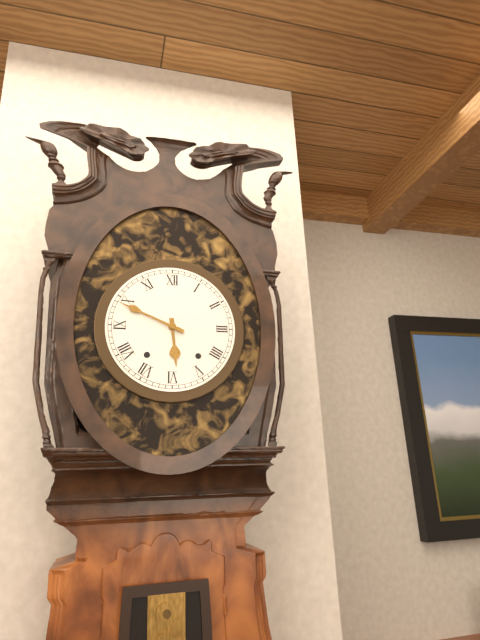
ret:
5:49
